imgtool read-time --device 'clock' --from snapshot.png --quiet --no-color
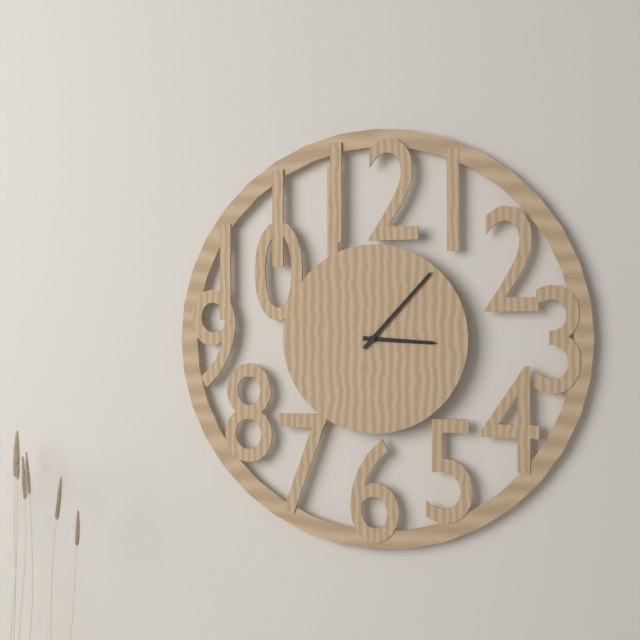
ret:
3:07
